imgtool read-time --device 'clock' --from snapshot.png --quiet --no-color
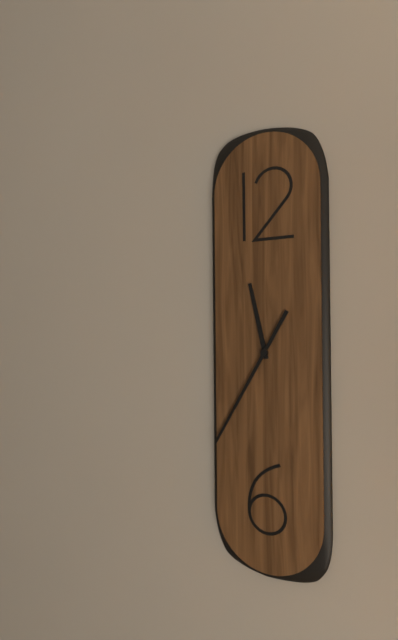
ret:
11:35
